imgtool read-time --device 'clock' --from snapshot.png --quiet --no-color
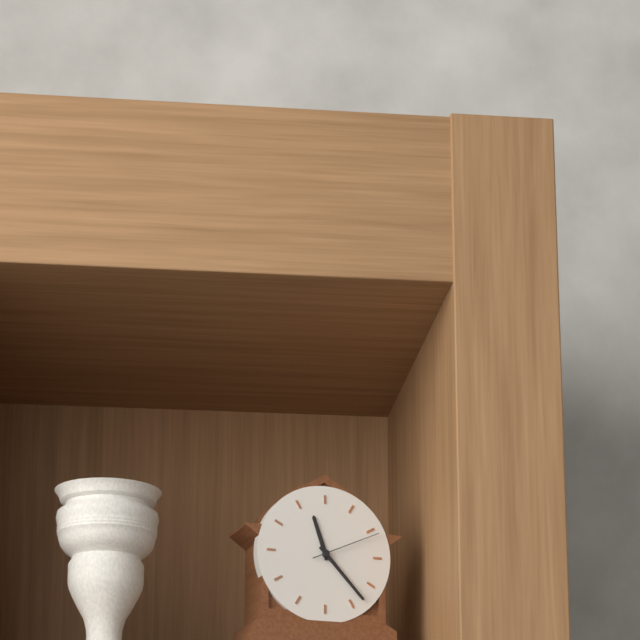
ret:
11:23:11
